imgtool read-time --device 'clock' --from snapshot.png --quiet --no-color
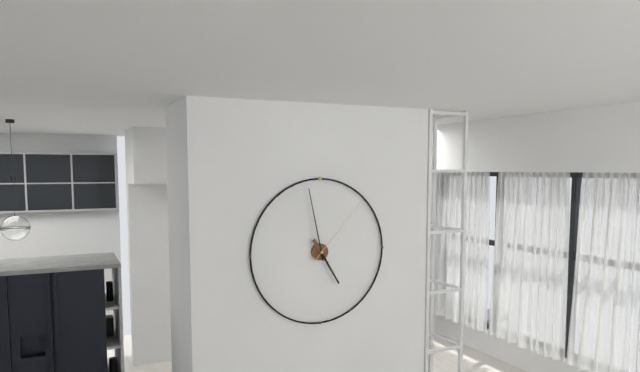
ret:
4:58:07
